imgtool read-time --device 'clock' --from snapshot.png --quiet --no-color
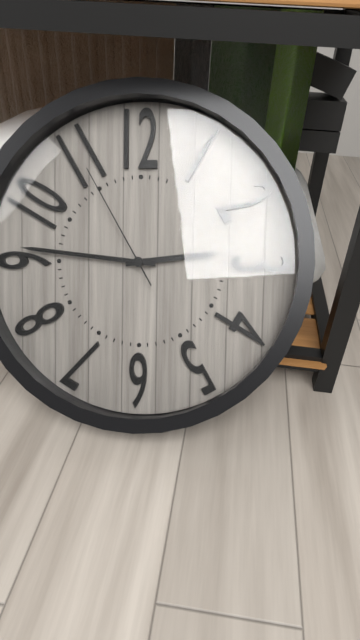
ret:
2:46:55
